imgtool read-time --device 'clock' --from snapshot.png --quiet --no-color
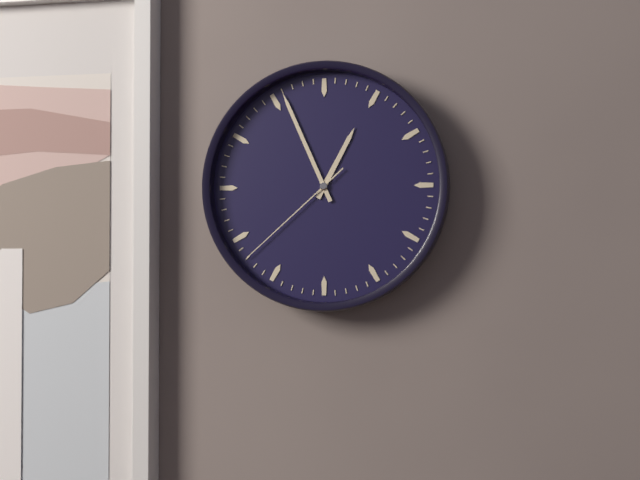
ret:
12:56:38
